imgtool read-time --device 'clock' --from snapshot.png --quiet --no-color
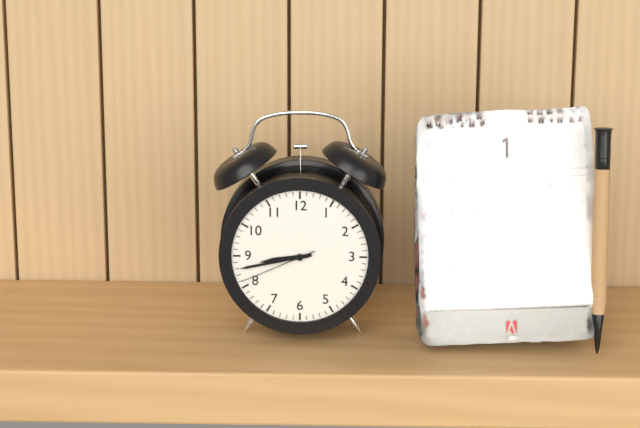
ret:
8:43:41
